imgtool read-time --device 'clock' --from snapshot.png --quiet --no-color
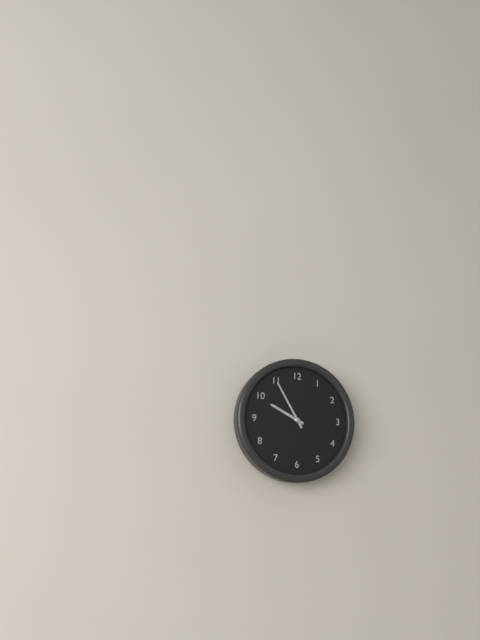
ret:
9:55
